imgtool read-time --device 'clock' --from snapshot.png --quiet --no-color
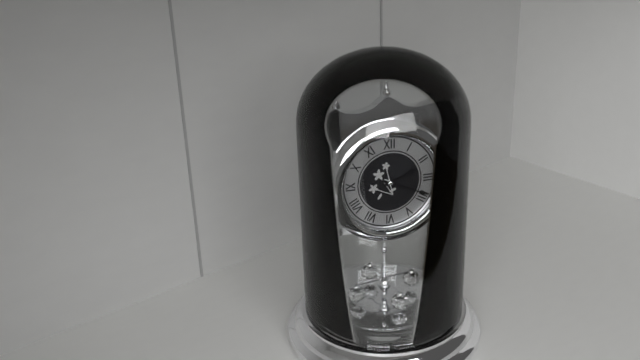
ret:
2:19
